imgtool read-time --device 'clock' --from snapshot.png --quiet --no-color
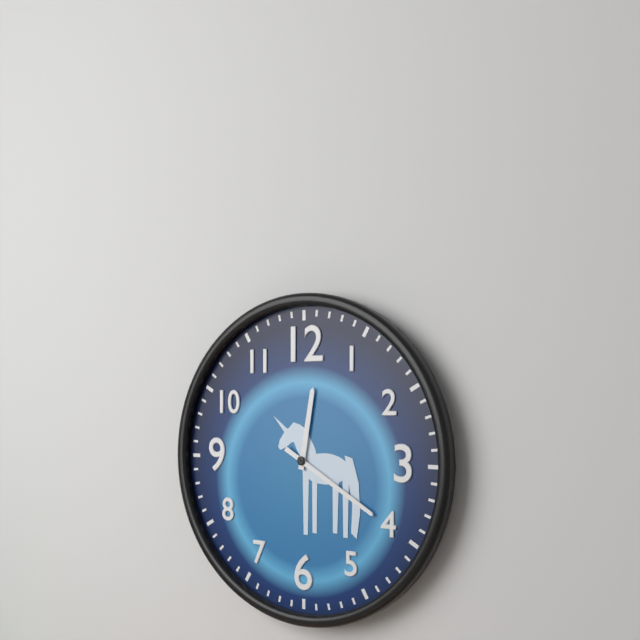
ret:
12:20
